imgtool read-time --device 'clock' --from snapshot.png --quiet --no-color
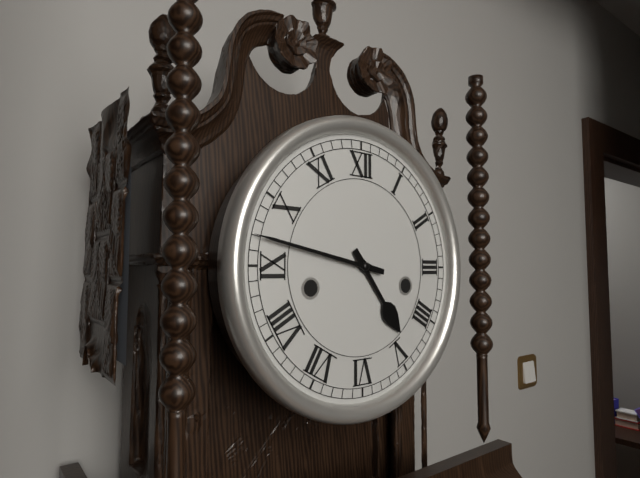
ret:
4:47
